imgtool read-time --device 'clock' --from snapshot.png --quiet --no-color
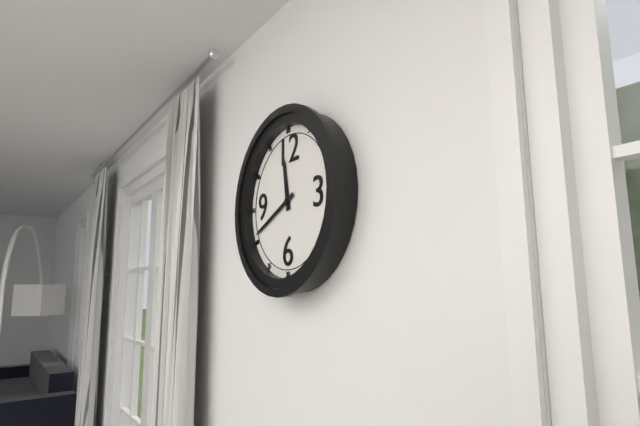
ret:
11:41
